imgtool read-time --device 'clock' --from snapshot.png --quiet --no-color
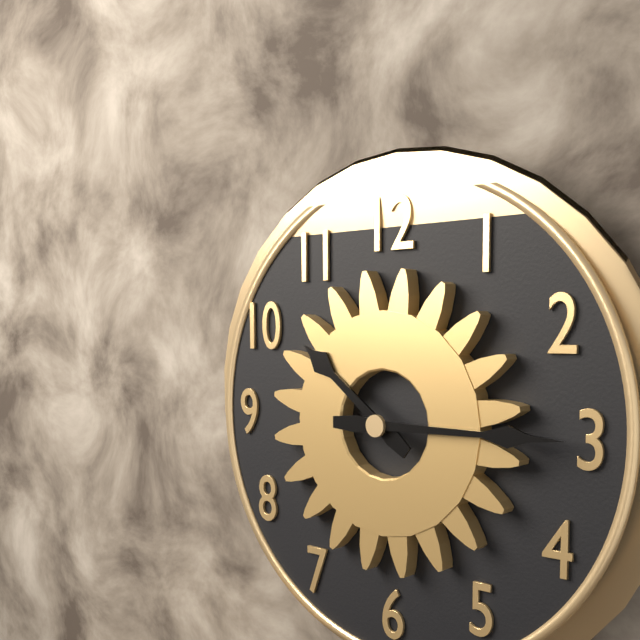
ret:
10:15
